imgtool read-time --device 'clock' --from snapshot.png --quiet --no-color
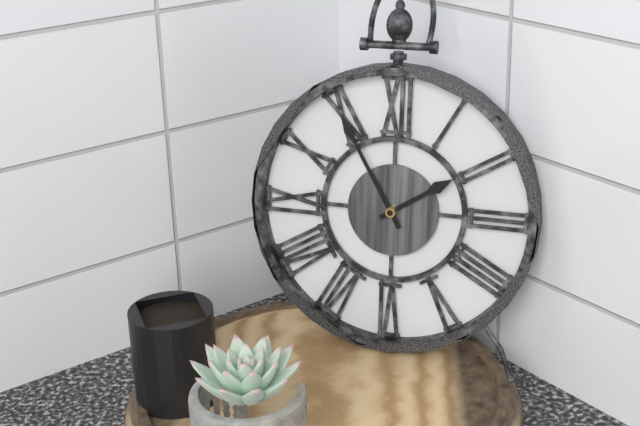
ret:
1:55
